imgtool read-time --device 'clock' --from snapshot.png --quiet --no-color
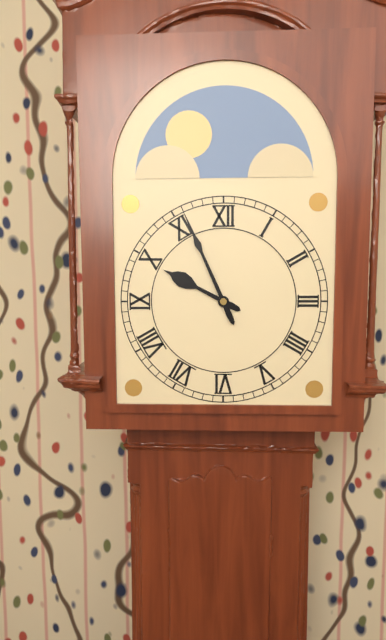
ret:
9:56
